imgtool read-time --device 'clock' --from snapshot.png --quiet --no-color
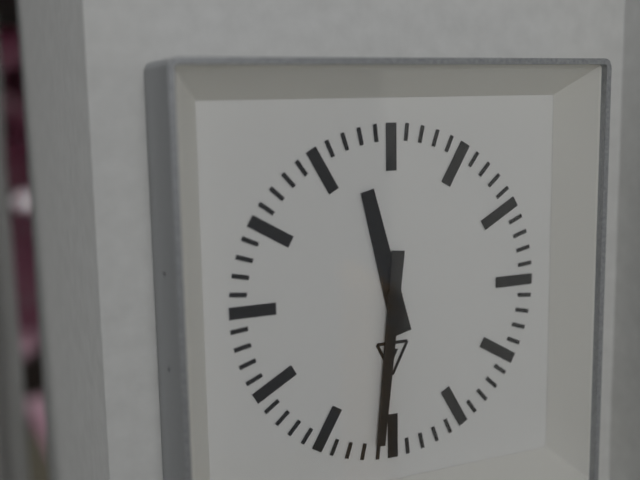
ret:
11:31
